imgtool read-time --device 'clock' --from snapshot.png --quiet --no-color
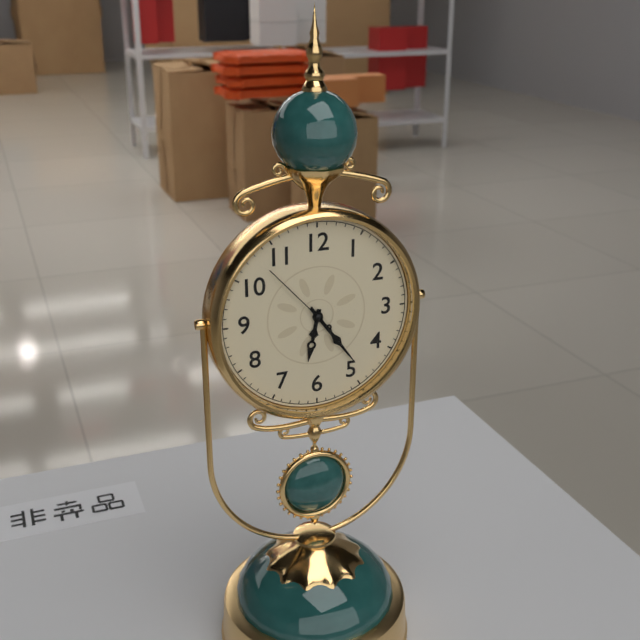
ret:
6:24:53
